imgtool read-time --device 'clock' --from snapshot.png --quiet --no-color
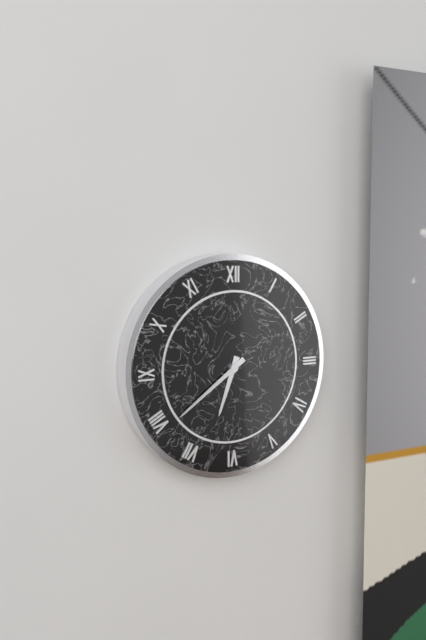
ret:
6:39
